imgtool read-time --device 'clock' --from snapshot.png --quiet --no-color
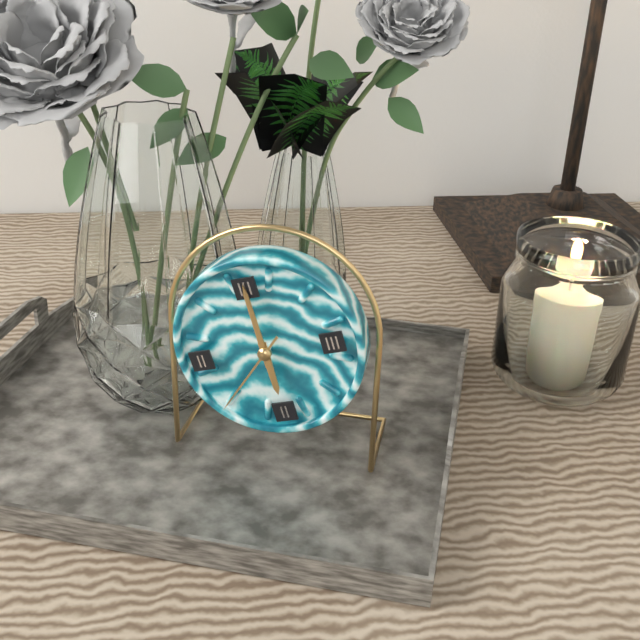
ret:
6:00:38
